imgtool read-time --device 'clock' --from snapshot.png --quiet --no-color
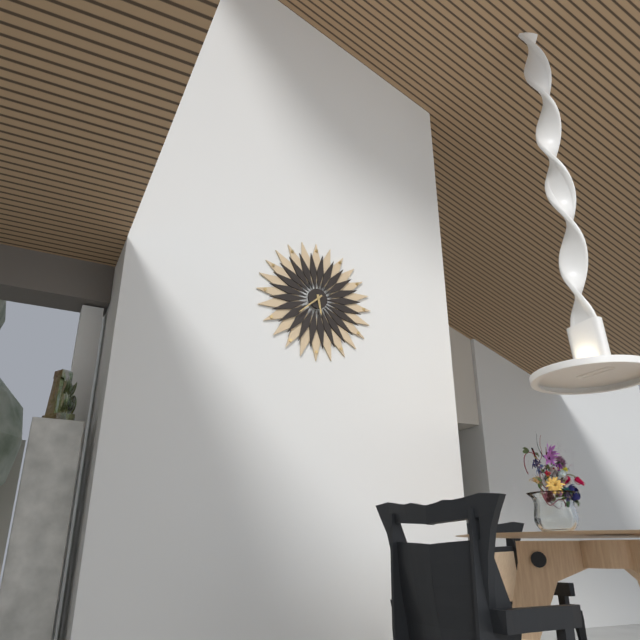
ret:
5:38
